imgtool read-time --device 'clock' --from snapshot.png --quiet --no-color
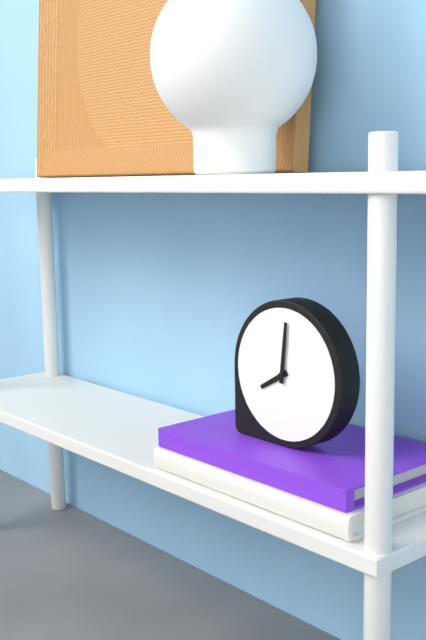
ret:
8:01
